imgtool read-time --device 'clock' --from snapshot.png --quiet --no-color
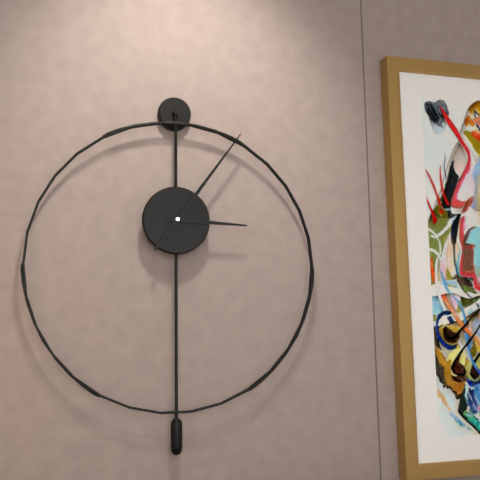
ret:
3:06
